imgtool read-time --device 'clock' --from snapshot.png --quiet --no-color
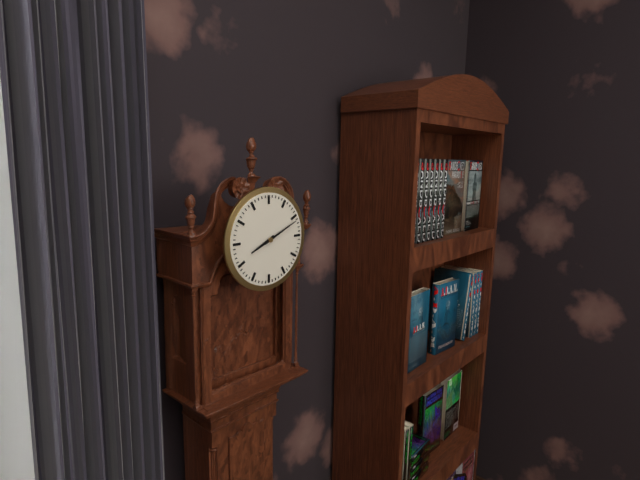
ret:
8:11
